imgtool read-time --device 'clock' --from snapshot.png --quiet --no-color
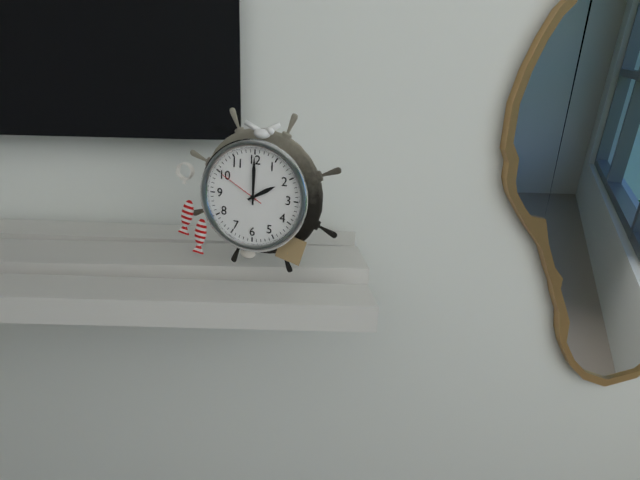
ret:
2:00
